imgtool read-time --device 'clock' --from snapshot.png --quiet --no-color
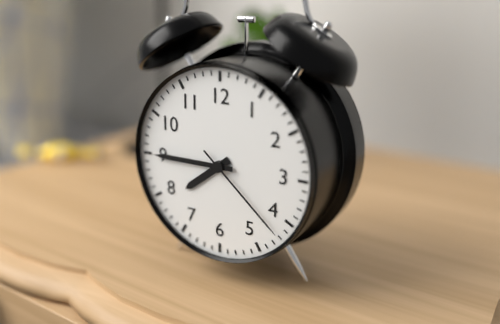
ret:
7:45:22
